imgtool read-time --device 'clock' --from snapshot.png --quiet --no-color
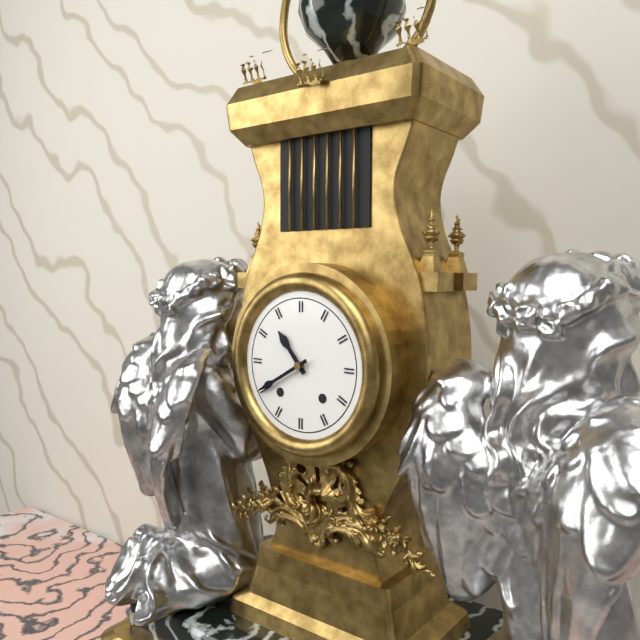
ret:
10:40
